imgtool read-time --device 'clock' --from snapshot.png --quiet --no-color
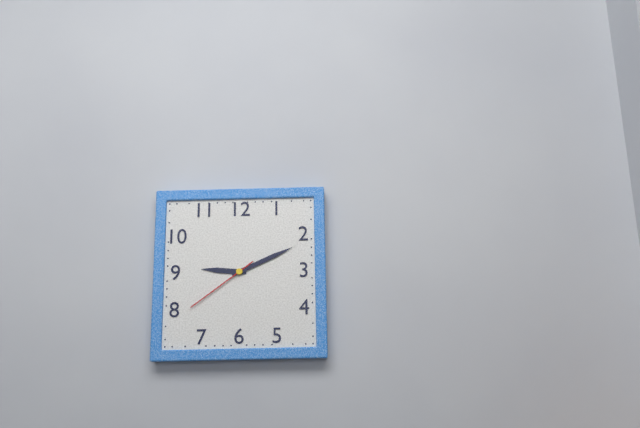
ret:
9:11:39
